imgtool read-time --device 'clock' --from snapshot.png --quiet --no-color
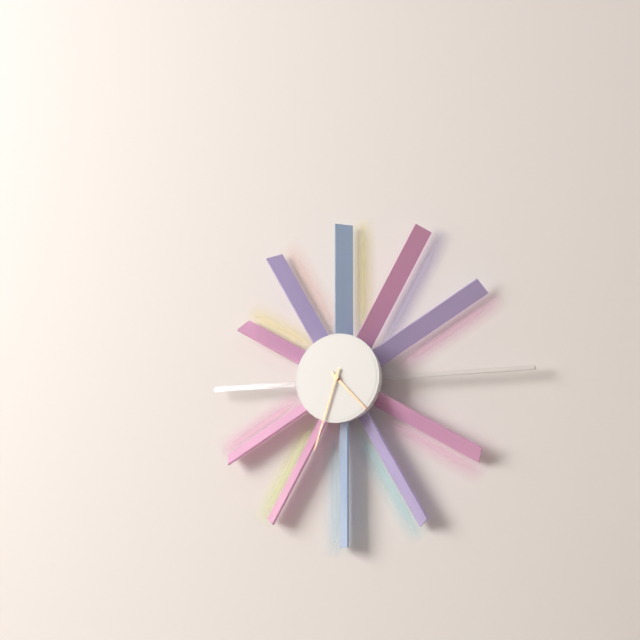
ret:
4:33
